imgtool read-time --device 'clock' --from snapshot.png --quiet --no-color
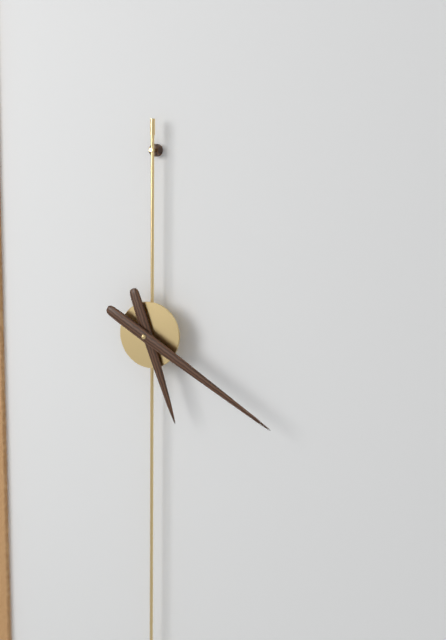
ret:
5:20
